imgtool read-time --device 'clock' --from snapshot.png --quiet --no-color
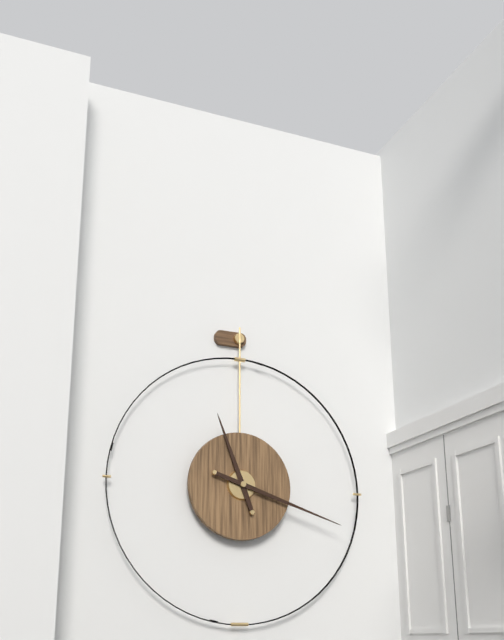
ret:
11:18
